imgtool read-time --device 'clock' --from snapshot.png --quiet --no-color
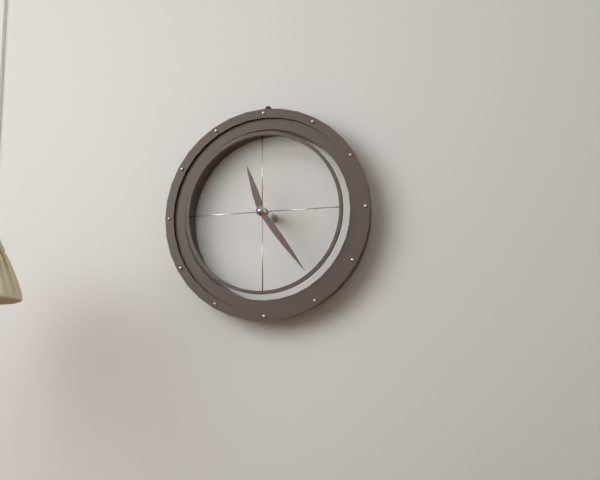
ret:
11:24
